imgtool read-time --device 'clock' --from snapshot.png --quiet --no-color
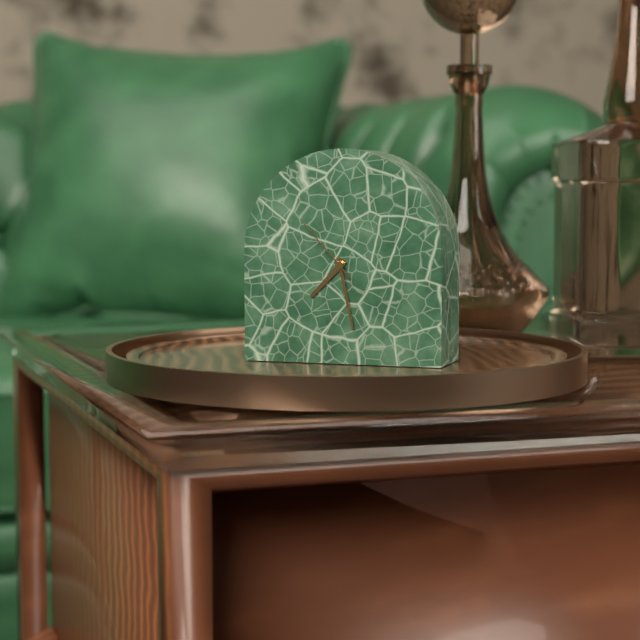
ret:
7:28:53
